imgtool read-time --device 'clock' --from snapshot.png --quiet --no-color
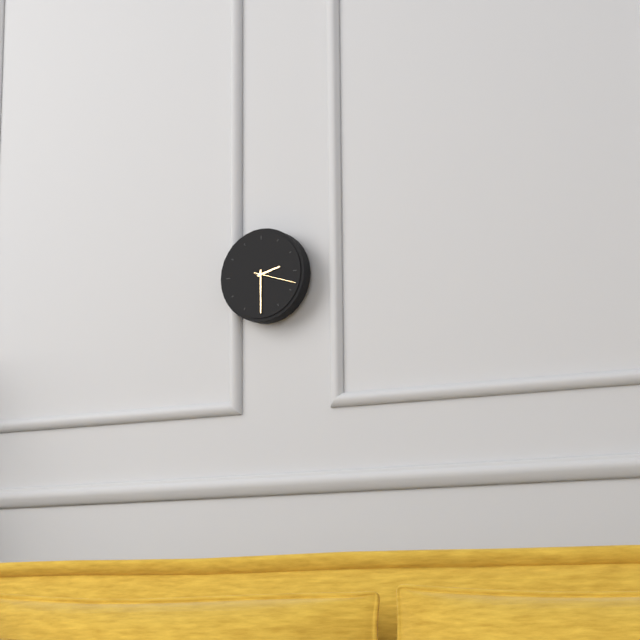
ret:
2:30
